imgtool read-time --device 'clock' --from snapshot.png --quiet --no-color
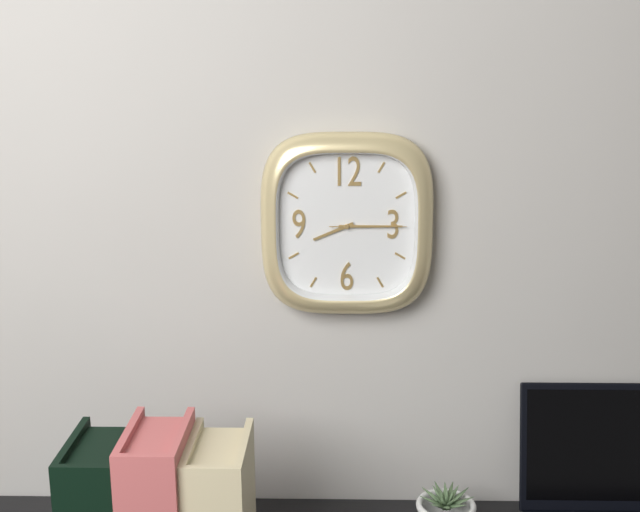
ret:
8:15:15
